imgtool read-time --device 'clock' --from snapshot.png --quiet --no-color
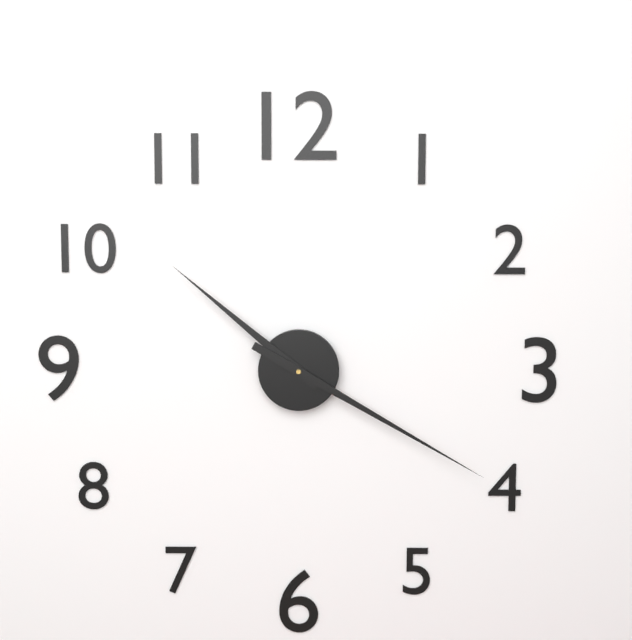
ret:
10:20
